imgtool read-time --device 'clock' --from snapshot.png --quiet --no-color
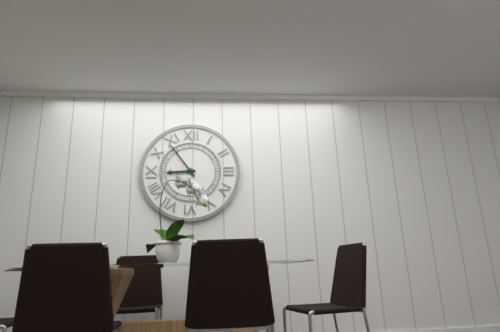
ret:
8:54
